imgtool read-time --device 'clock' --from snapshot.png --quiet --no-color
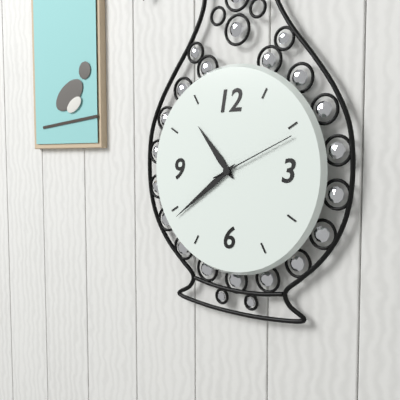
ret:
10:39:11
